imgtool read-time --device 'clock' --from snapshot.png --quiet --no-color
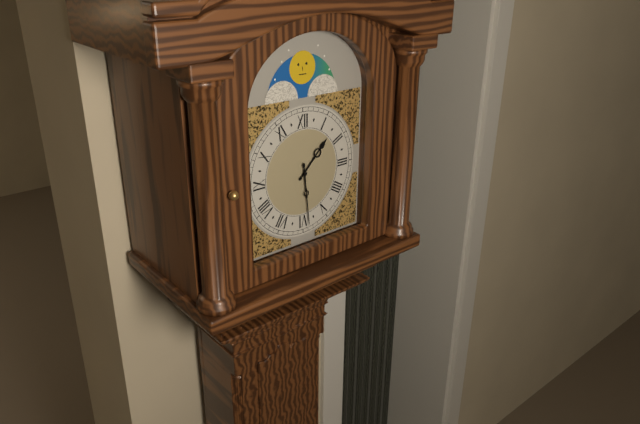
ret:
1:29
